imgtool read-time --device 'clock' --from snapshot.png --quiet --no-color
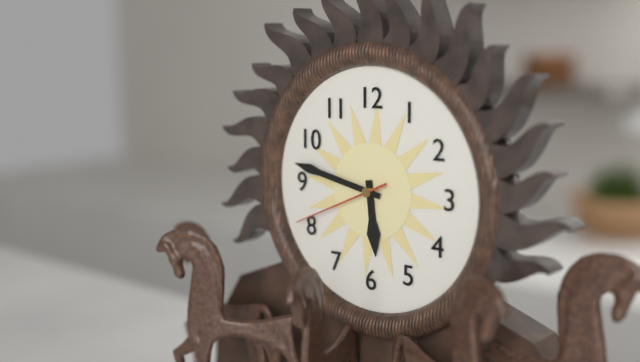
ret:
5:47:41
